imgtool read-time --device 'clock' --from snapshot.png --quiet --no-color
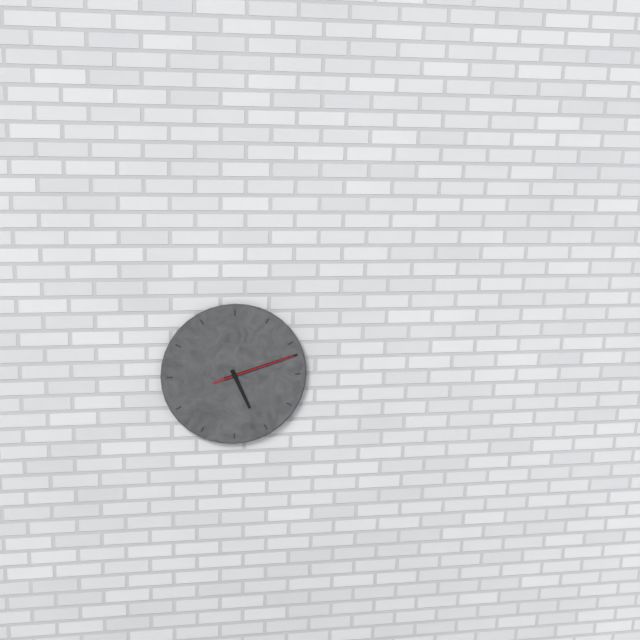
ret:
5:12:12
